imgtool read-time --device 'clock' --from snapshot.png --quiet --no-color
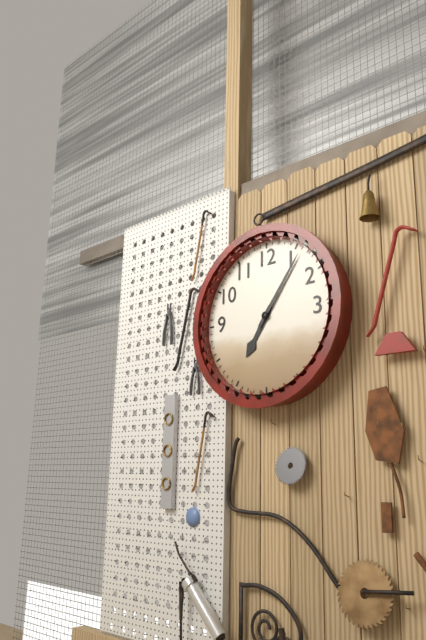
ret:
7:06
